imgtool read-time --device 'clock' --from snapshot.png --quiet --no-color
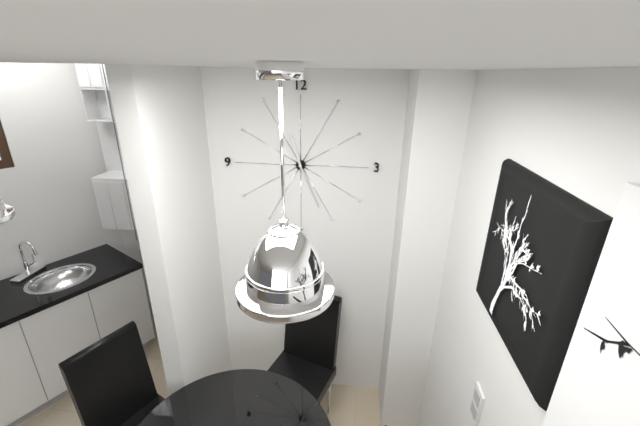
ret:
11:26
